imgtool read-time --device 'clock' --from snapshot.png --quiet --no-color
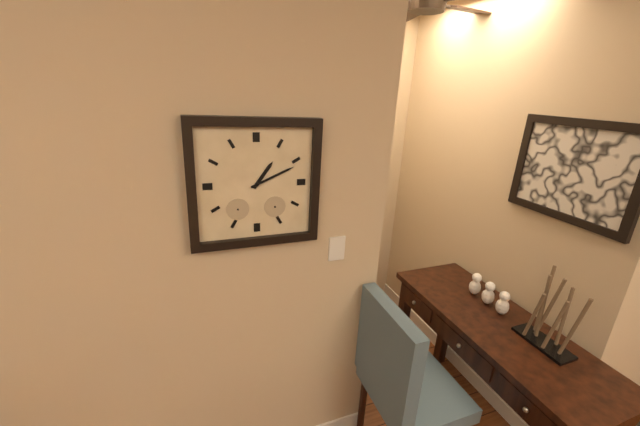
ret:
1:11
